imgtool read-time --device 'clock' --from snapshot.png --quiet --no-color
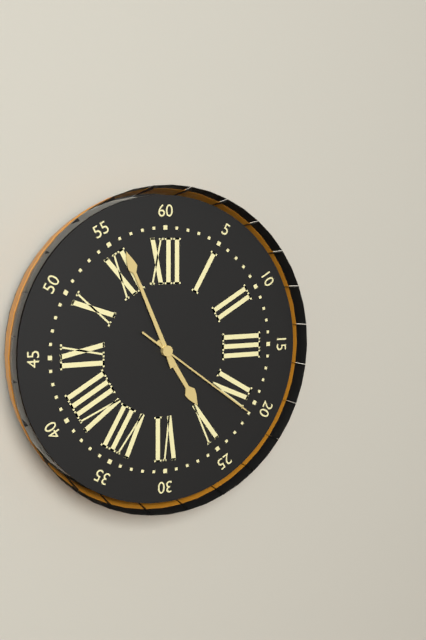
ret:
4:56:21
